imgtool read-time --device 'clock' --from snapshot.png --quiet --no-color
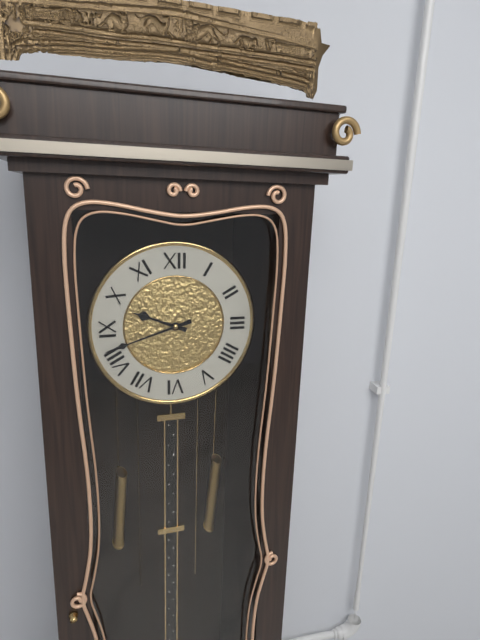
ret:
9:42
